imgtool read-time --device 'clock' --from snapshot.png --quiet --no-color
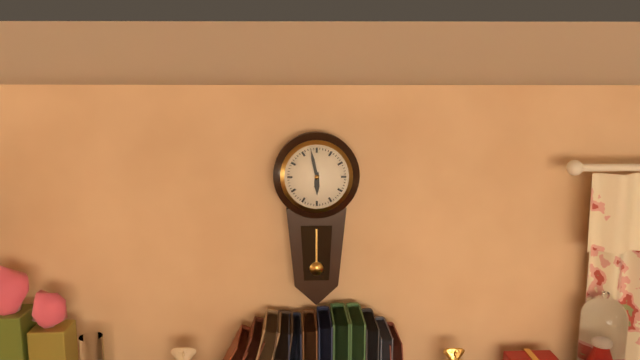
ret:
5:58
